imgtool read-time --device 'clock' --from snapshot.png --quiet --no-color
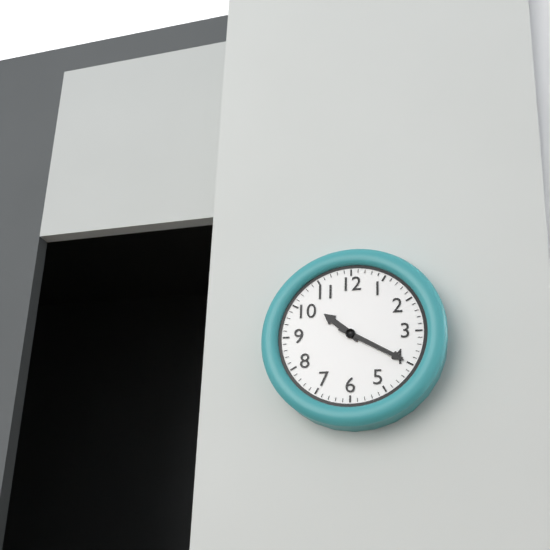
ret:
10:20
